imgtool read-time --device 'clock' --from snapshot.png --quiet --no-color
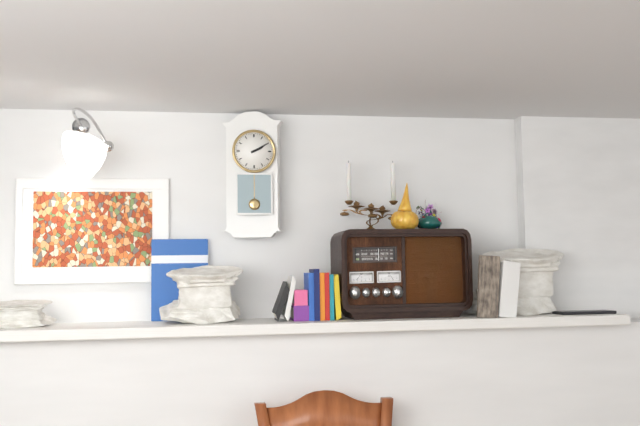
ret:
2:10
